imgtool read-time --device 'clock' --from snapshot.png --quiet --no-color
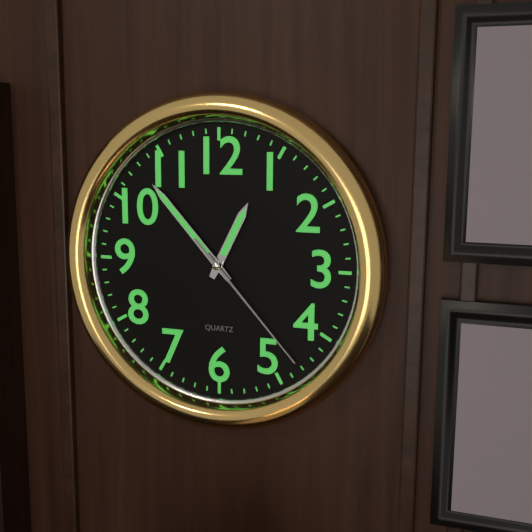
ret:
12:53:23
